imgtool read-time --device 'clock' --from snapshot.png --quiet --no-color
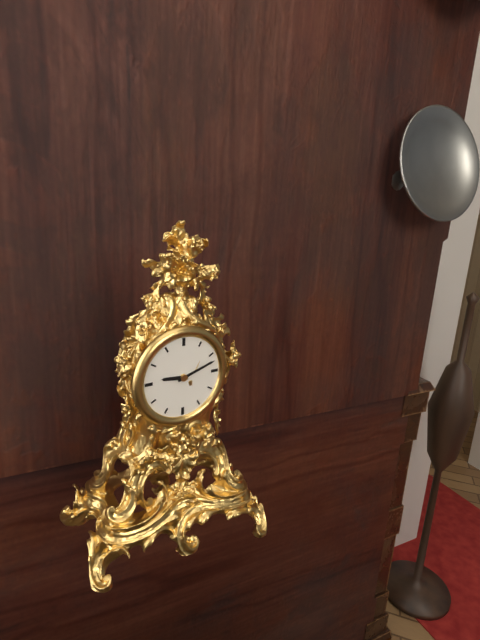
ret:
9:12
